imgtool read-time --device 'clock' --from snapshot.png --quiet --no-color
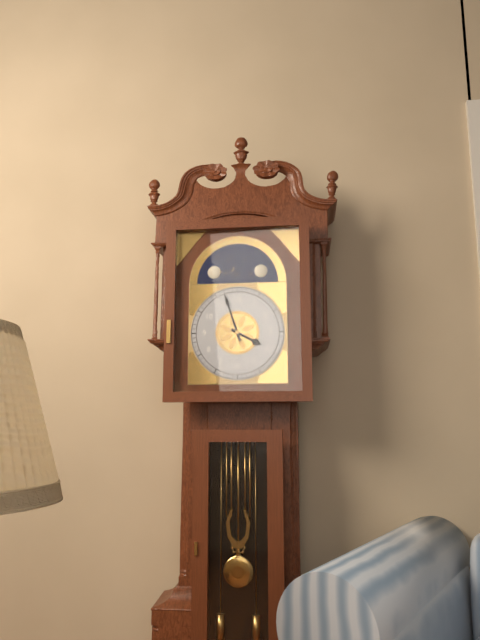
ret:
3:57
